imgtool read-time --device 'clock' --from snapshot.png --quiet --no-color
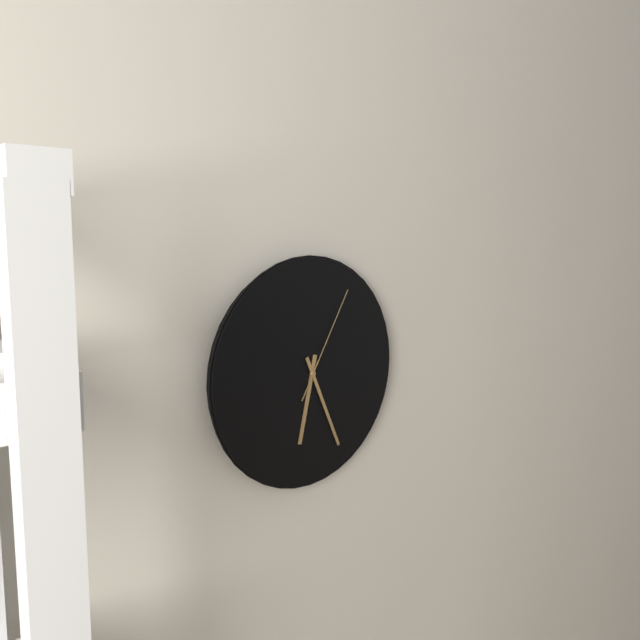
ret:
6:26:05
